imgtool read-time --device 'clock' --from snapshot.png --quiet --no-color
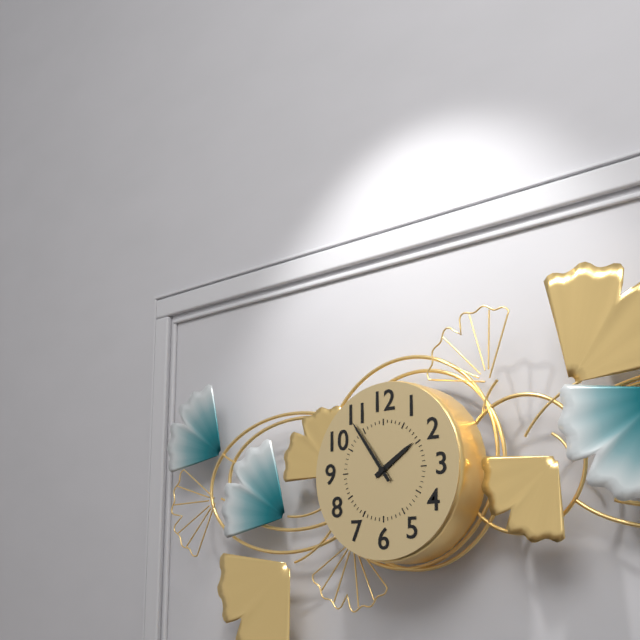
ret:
1:54
